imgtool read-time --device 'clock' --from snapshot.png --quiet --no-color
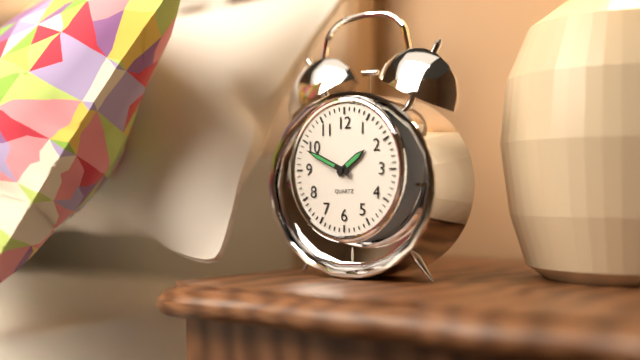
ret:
1:49
